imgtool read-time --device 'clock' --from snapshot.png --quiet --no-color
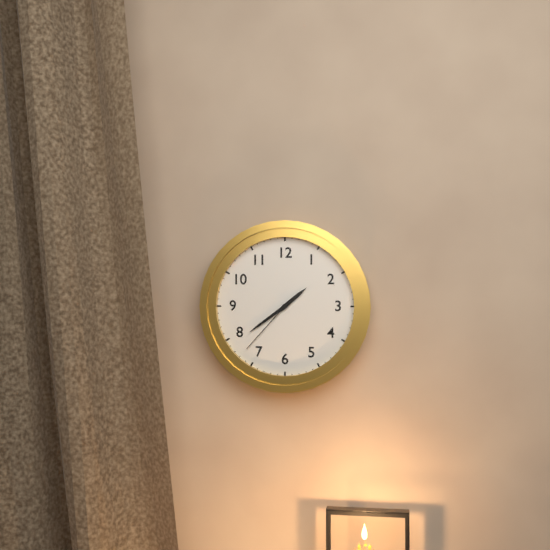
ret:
1:39:37
